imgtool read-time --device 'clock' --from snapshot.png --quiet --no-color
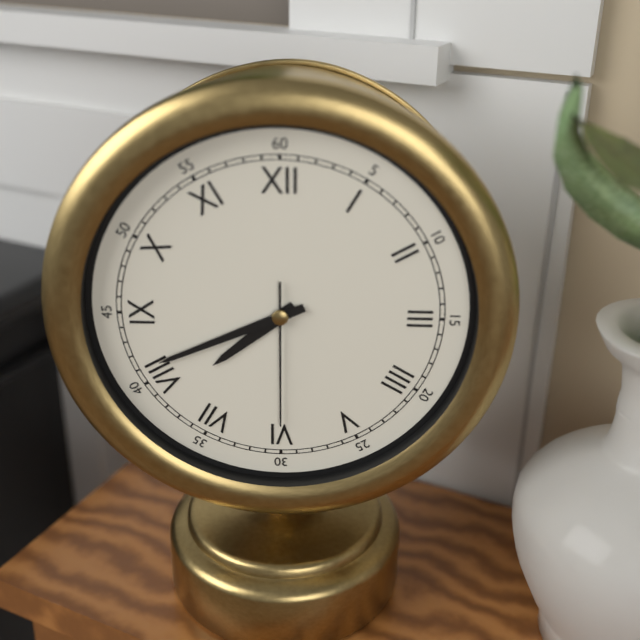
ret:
7:41:30
